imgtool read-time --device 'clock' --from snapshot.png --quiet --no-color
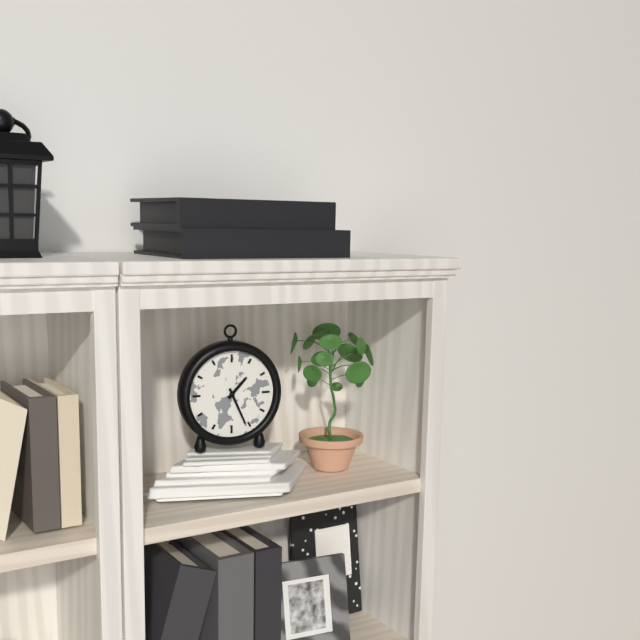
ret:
1:26
